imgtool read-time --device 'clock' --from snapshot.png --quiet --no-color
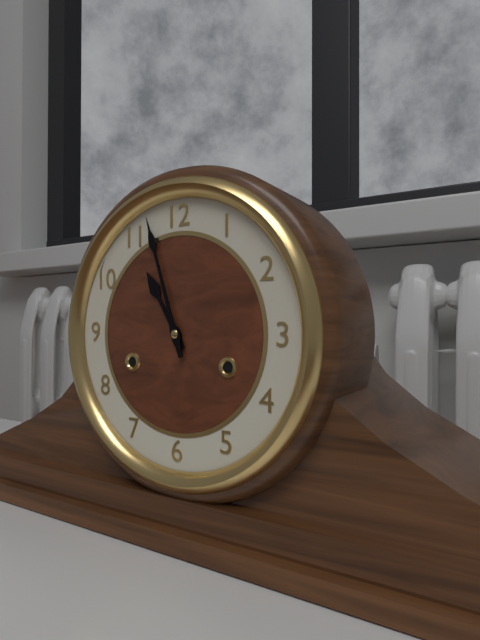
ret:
10:57
